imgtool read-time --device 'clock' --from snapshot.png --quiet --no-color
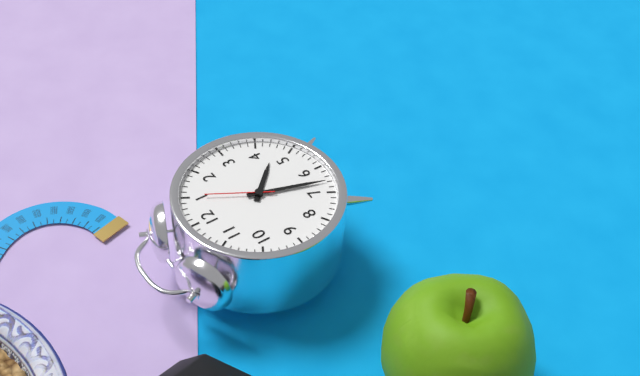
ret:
4:33:05
